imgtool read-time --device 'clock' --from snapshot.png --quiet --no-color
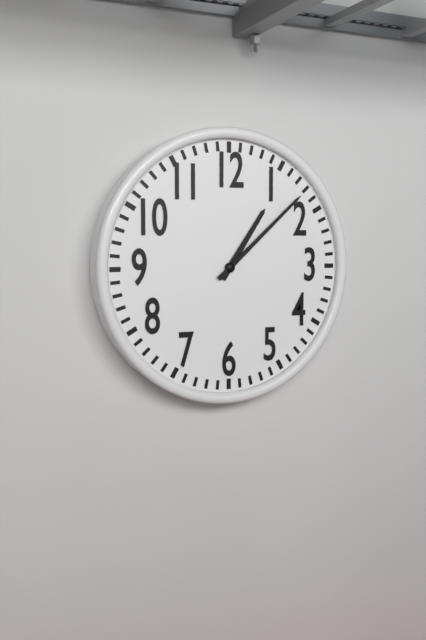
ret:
1:08
